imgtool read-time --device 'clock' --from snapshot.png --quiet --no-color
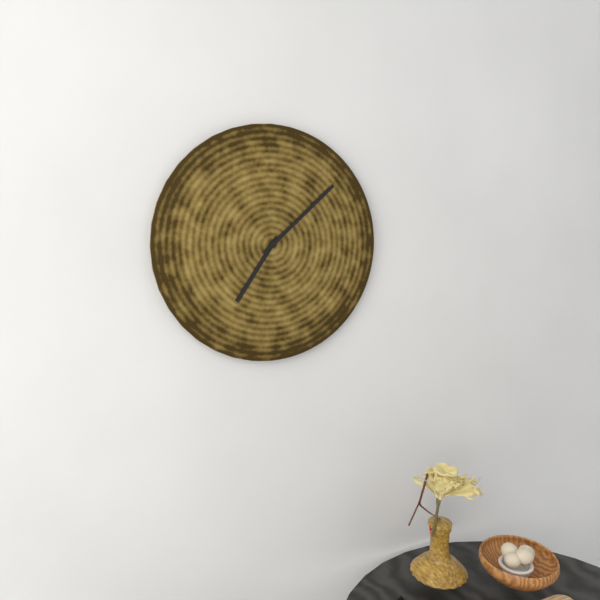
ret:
7:08
